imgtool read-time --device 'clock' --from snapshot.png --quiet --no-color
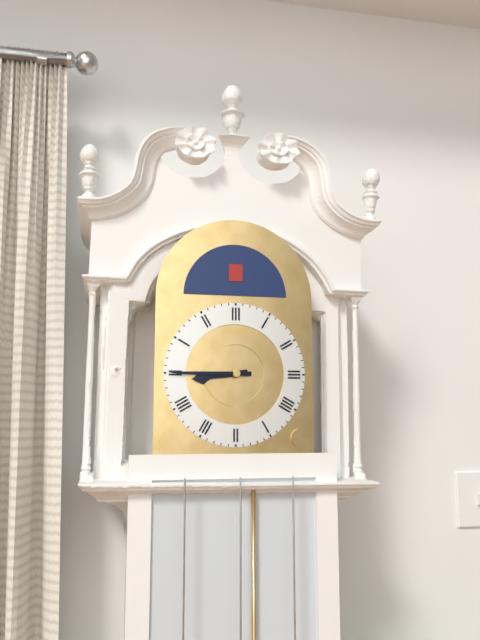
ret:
8:45
